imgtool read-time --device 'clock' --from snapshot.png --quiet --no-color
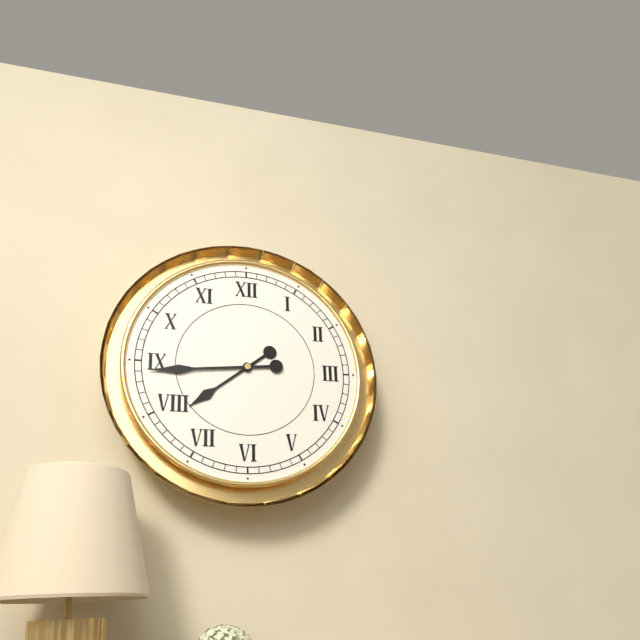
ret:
7:44
